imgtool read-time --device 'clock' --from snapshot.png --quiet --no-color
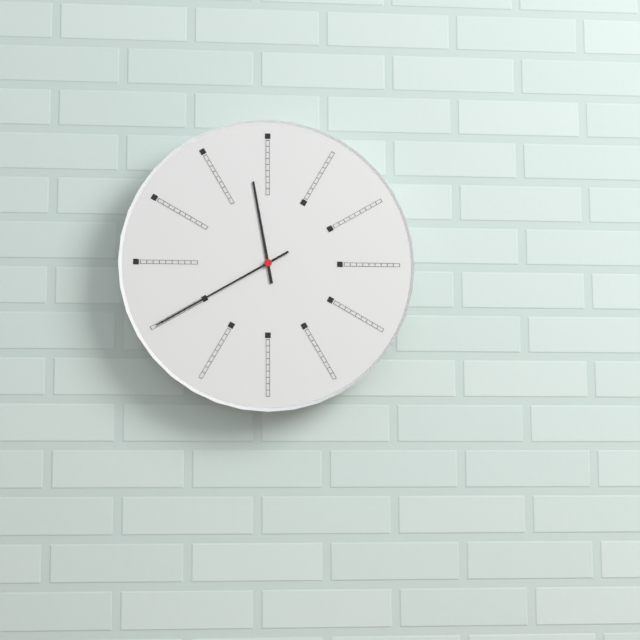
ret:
11:40
